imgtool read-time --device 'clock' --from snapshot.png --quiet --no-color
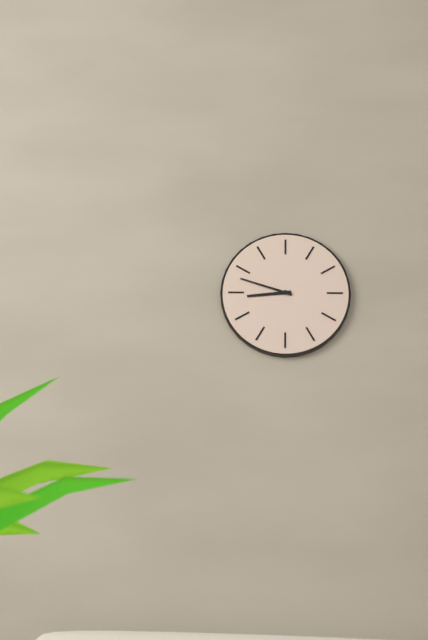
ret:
8:48
